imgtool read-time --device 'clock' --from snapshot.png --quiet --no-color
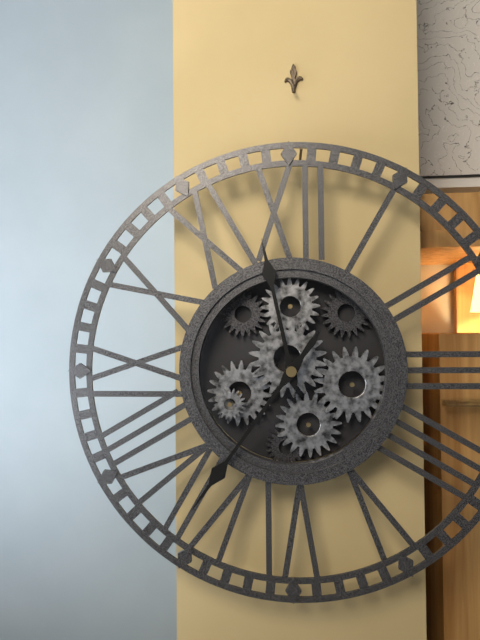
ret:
11:36
